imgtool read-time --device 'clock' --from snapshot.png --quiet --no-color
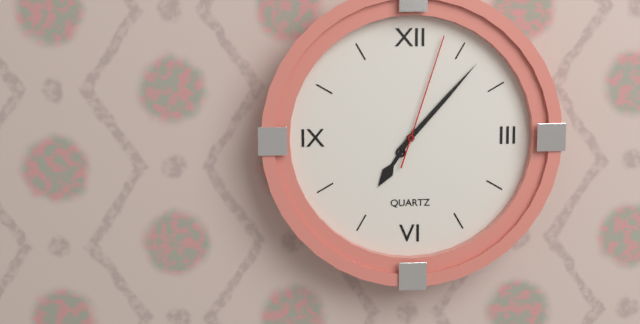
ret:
7:07:03
